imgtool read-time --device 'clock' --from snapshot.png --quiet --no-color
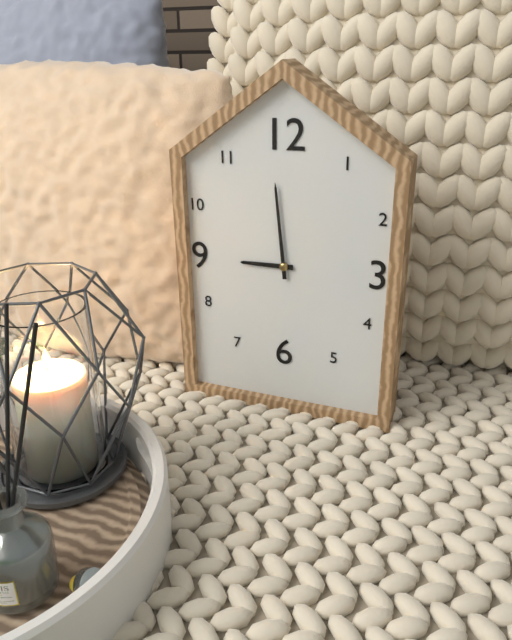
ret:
8:59
